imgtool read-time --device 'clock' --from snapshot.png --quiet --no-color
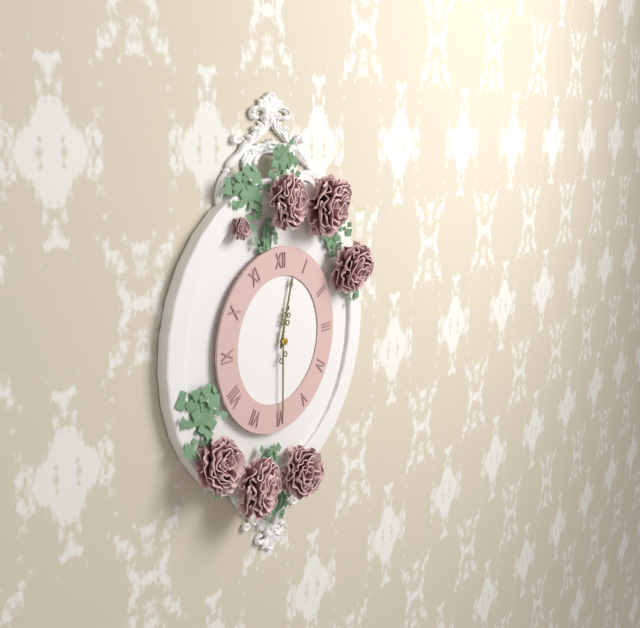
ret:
12:30
